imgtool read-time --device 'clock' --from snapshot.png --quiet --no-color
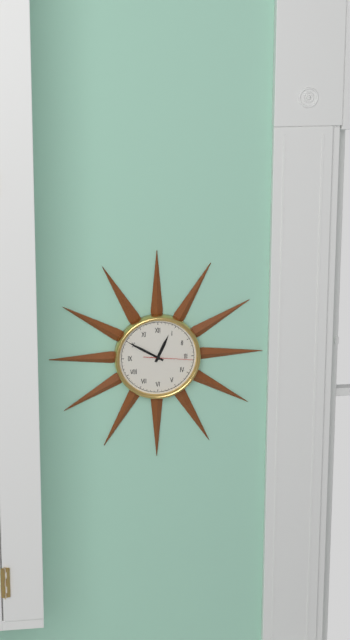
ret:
12:50
